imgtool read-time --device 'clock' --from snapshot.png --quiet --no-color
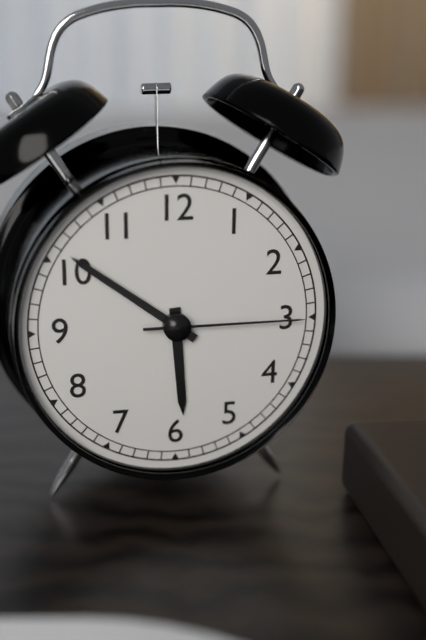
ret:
5:51:15
